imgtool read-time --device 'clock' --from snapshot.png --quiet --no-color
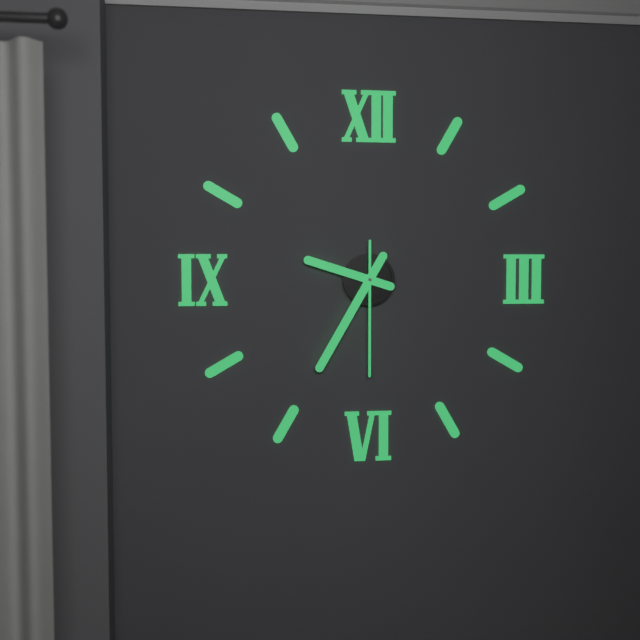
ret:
9:35:30
